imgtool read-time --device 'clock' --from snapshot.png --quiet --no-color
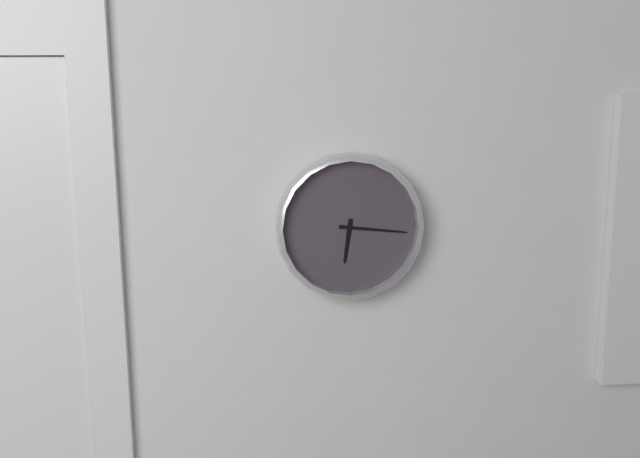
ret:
6:16
